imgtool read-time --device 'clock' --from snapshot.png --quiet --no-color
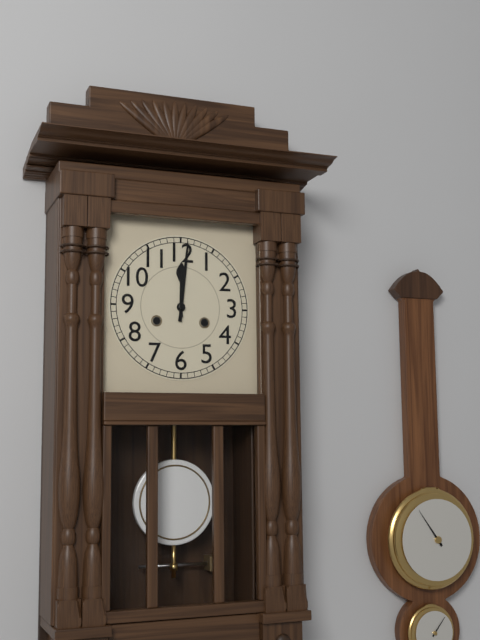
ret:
12:01
